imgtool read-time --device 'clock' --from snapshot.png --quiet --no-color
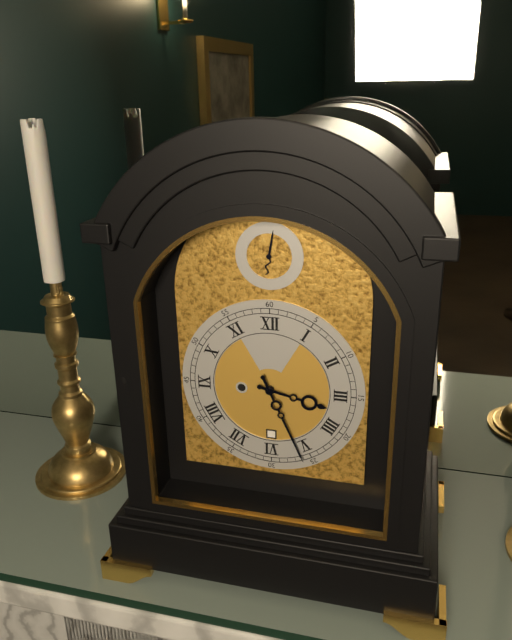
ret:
3:26
